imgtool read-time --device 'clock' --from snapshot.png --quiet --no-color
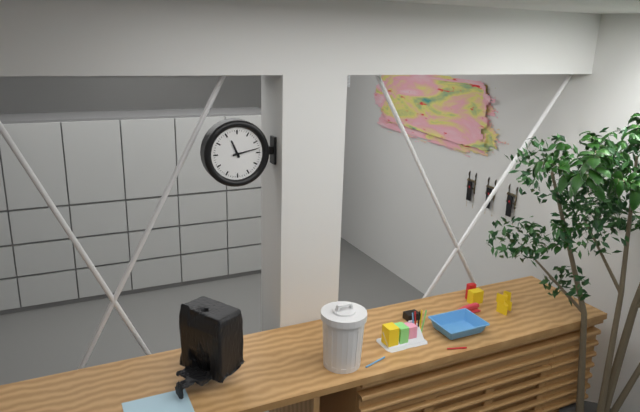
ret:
11:13
